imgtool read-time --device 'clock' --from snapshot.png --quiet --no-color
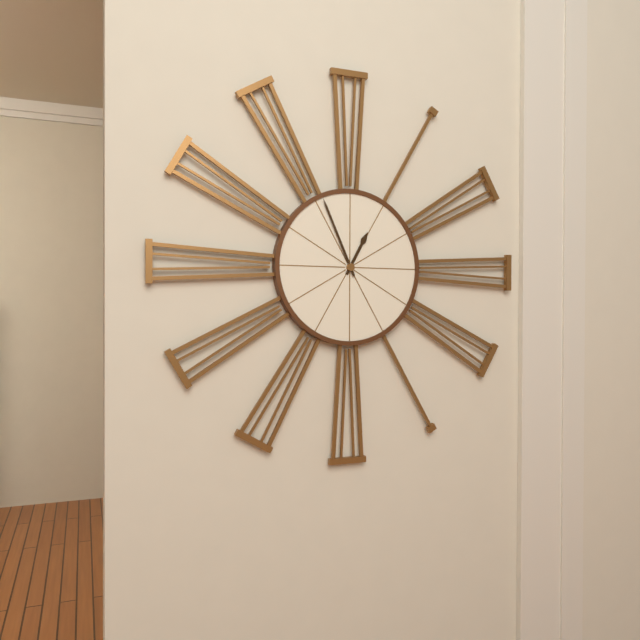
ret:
12:56
